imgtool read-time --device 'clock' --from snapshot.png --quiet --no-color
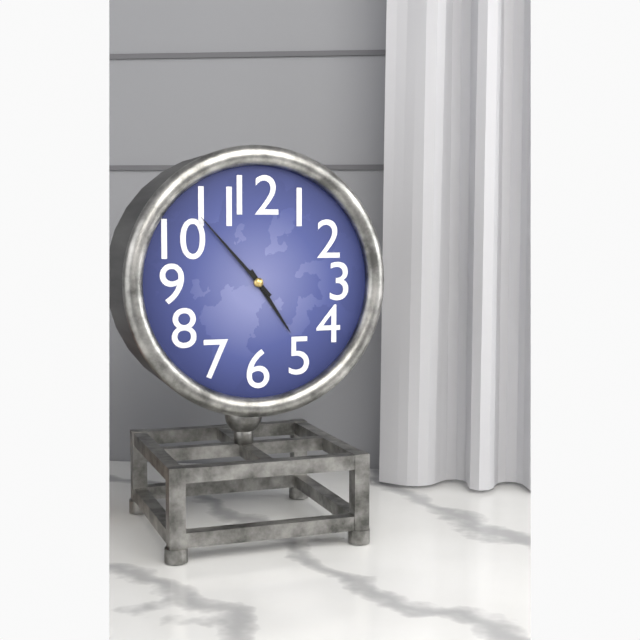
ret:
4:53
